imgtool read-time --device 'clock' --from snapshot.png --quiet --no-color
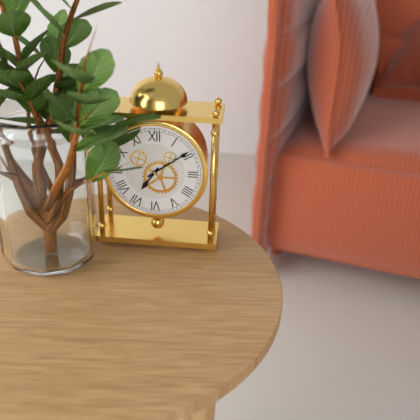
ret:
7:09
